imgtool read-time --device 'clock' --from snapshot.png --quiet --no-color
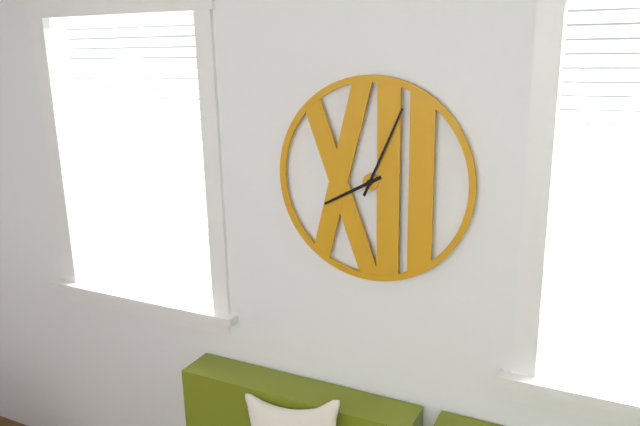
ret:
8:04
